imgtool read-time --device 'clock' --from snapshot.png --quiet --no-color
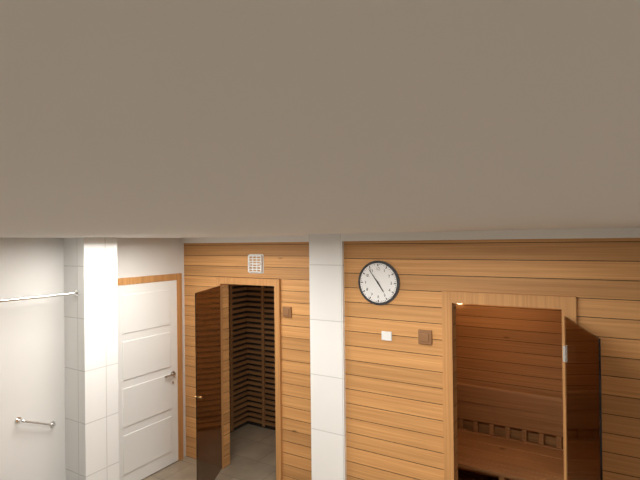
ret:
4:54
